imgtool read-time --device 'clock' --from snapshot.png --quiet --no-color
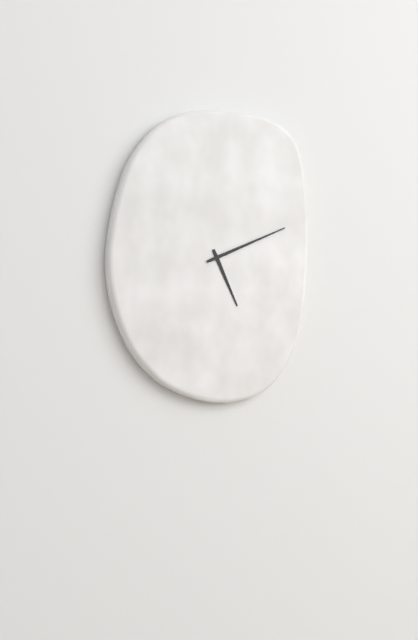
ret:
5:11
